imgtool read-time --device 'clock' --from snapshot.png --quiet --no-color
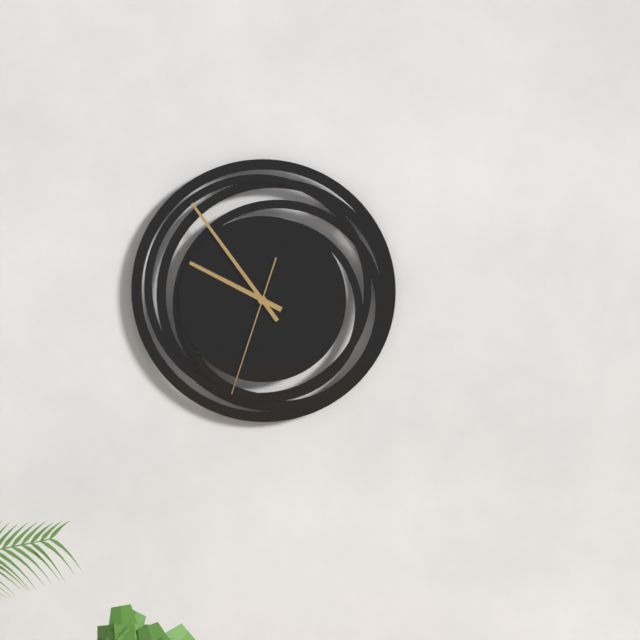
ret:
9:54:33
